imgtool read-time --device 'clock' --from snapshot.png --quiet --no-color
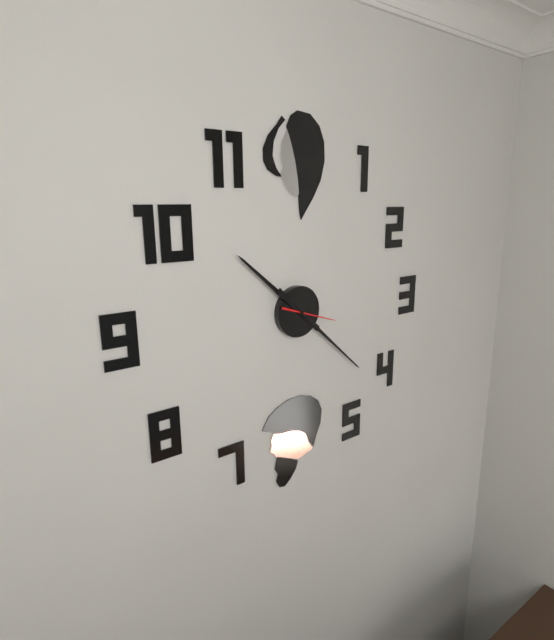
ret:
10:22
